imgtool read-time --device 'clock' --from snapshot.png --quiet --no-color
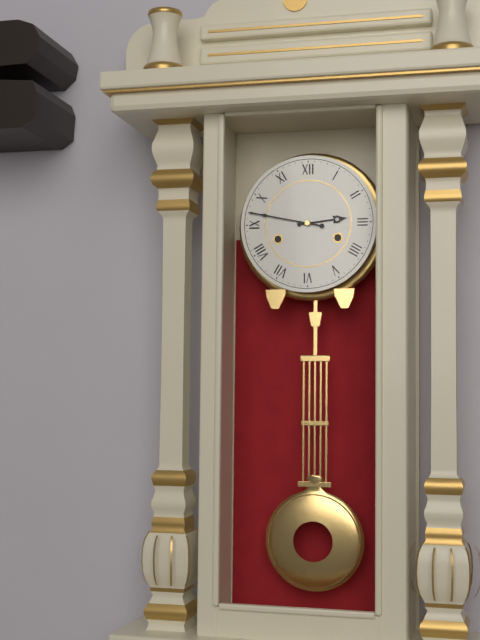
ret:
2:47
